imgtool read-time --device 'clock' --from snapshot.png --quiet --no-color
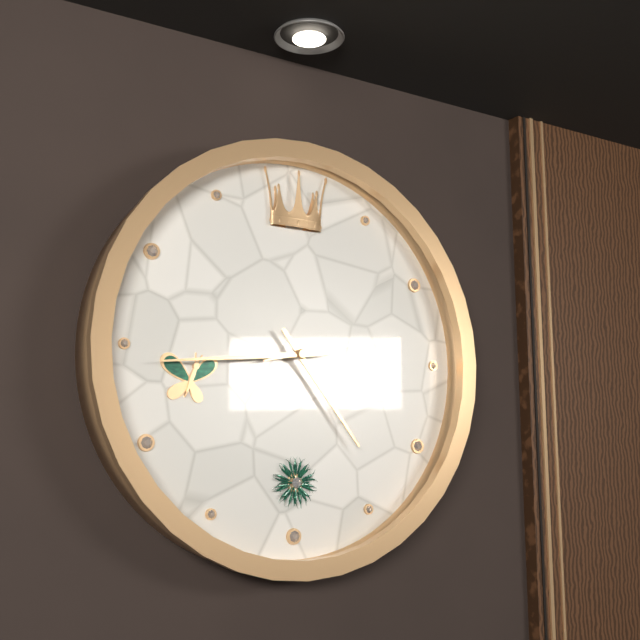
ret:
4:44:13
